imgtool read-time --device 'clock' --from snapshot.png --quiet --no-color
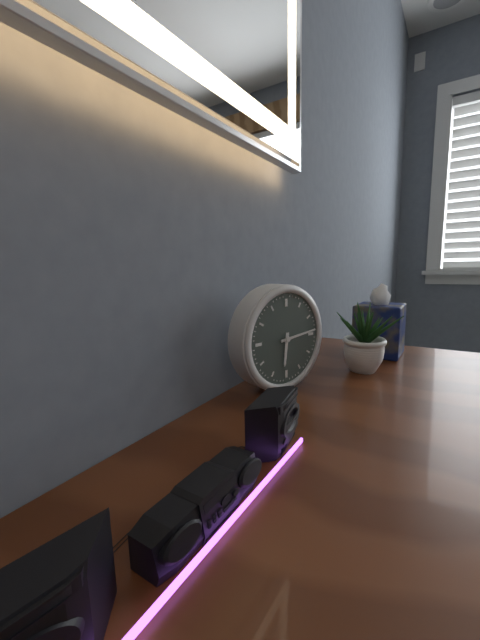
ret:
6:14
